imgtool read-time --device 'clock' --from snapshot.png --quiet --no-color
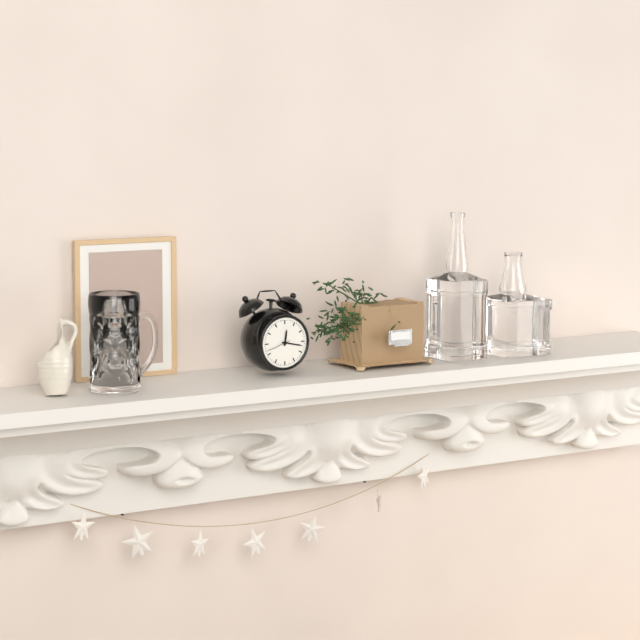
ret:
12:17
